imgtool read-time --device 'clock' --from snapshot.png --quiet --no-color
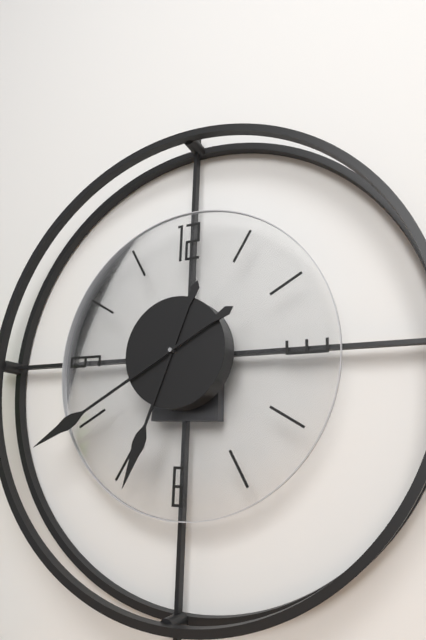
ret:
6:40
